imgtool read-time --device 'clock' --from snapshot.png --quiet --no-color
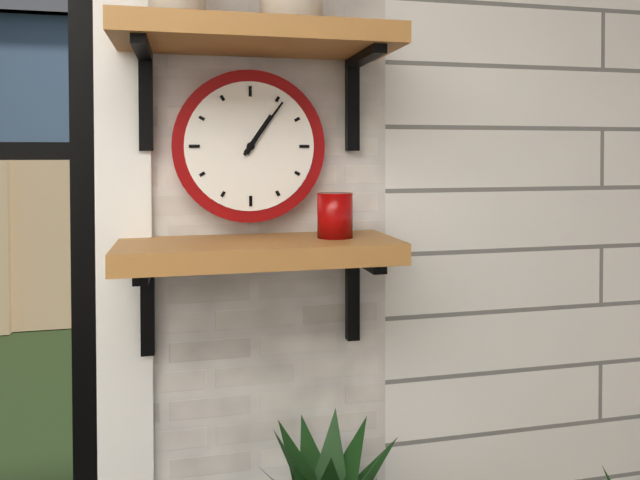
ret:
1:06
